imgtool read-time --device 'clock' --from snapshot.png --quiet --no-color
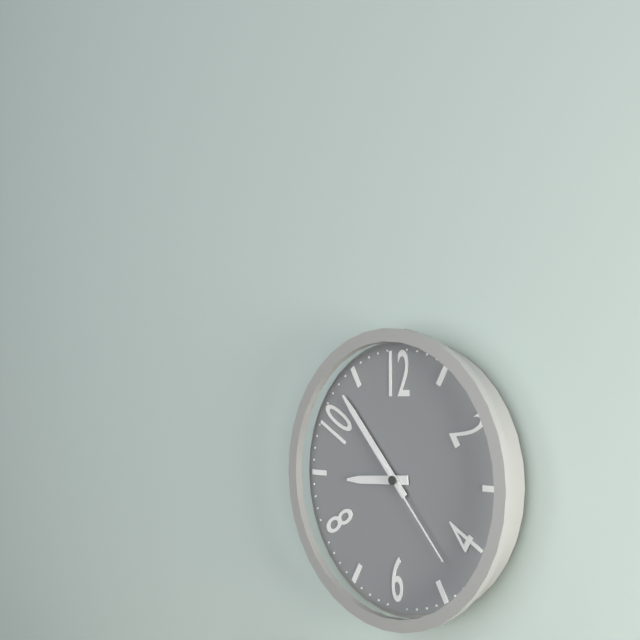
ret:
8:53:23
